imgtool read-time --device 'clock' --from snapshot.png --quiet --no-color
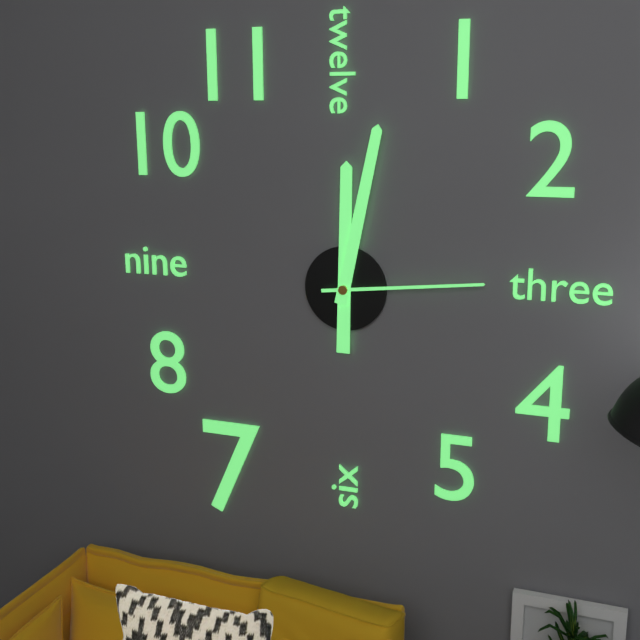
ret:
12:02:14
